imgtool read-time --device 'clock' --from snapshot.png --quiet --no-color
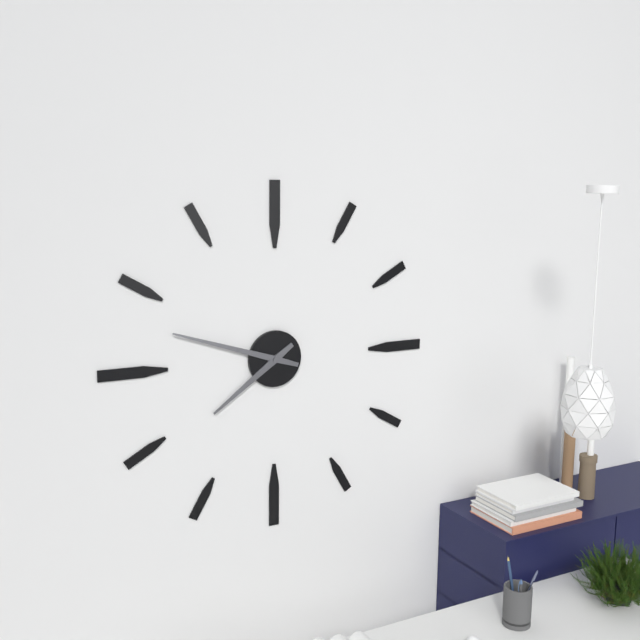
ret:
7:48
